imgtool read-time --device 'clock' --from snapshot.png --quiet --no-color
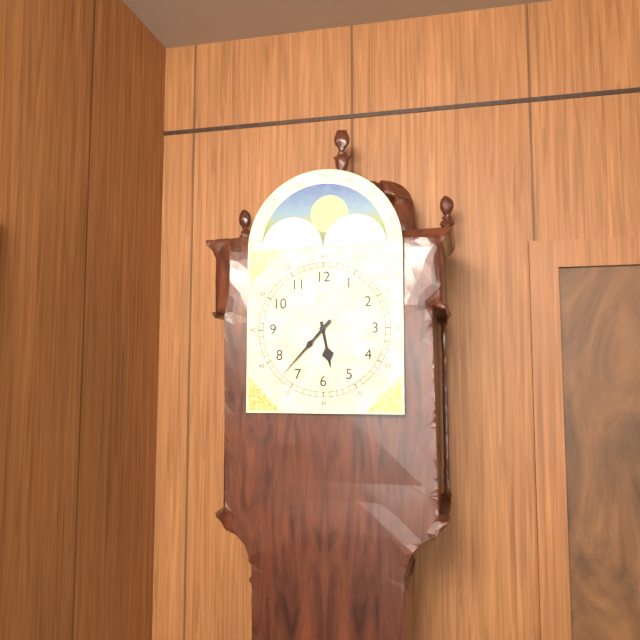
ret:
5:37
